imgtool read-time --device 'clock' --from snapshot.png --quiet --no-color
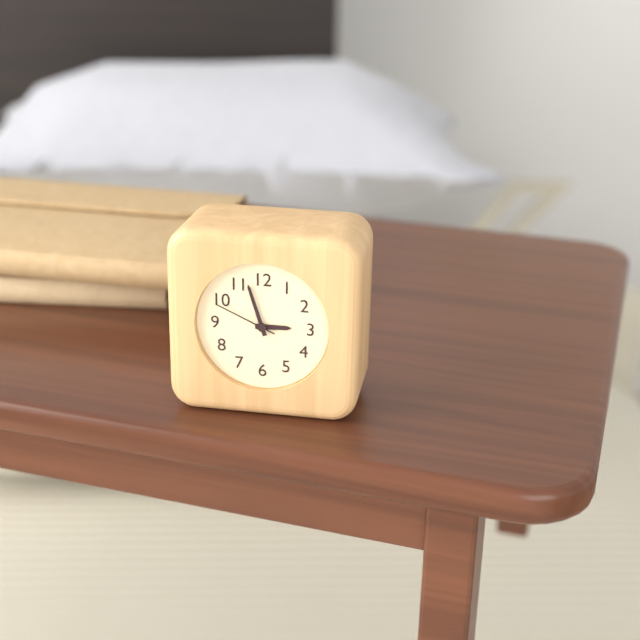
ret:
2:57:49
